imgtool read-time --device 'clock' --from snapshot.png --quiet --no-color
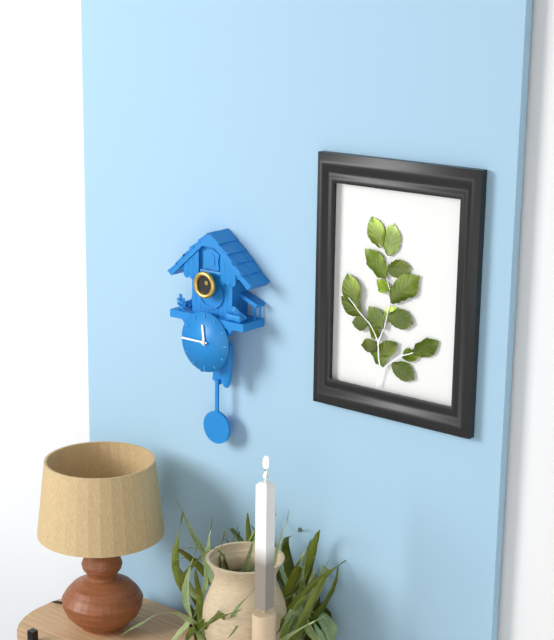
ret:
11:45
